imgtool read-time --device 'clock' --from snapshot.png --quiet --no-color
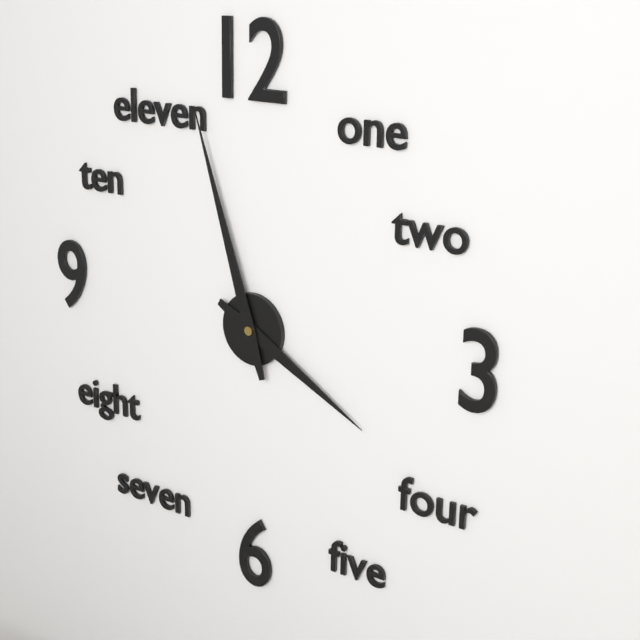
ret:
3:57
